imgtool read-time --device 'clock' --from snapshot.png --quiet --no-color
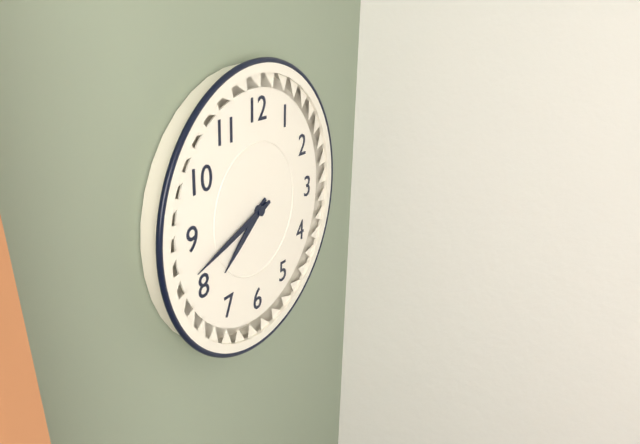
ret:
7:42
